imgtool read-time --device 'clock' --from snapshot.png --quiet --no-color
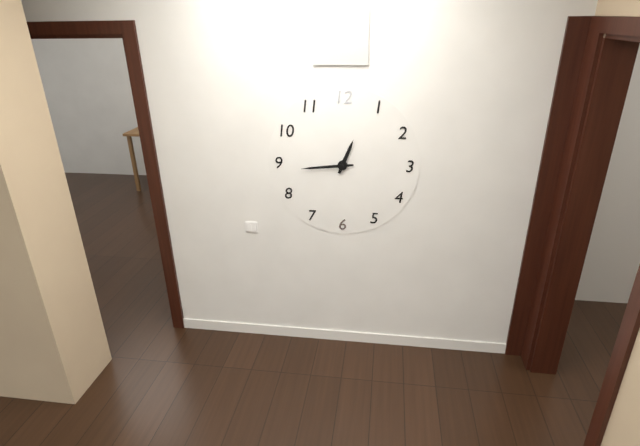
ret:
12:44
